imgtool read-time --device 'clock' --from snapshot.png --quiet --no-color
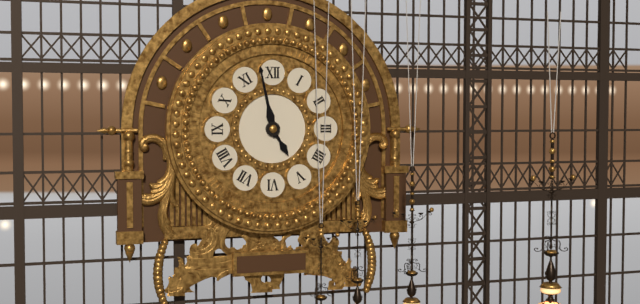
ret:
4:58
